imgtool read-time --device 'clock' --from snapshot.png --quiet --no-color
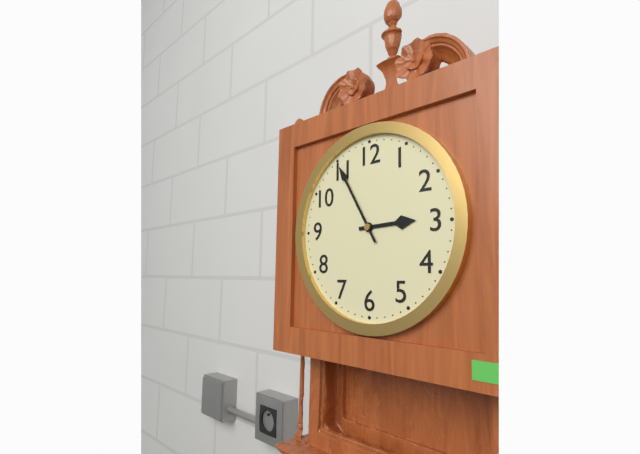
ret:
2:55
